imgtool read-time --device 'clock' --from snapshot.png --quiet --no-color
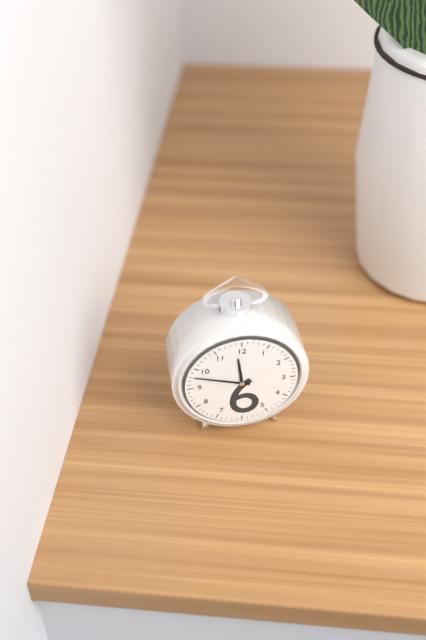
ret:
11:48
